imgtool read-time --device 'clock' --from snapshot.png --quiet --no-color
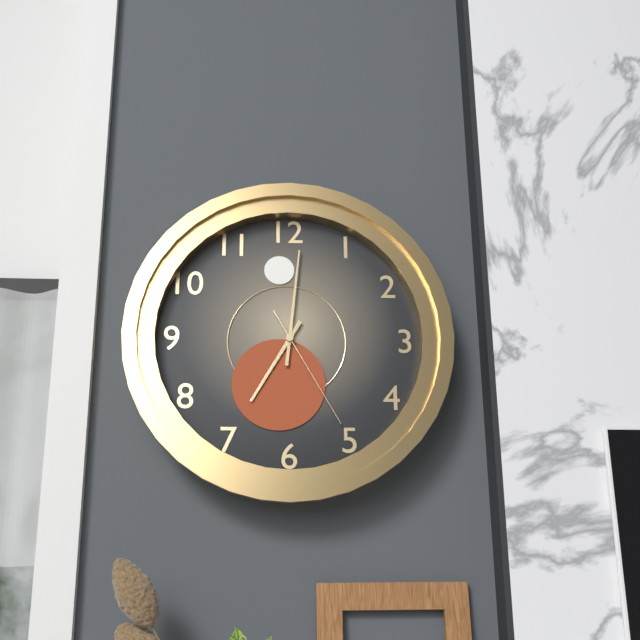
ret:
7:01:25
